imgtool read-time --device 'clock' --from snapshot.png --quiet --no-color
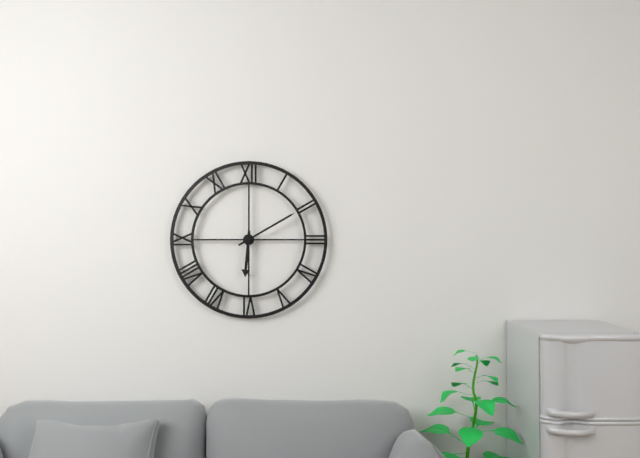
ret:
6:10
